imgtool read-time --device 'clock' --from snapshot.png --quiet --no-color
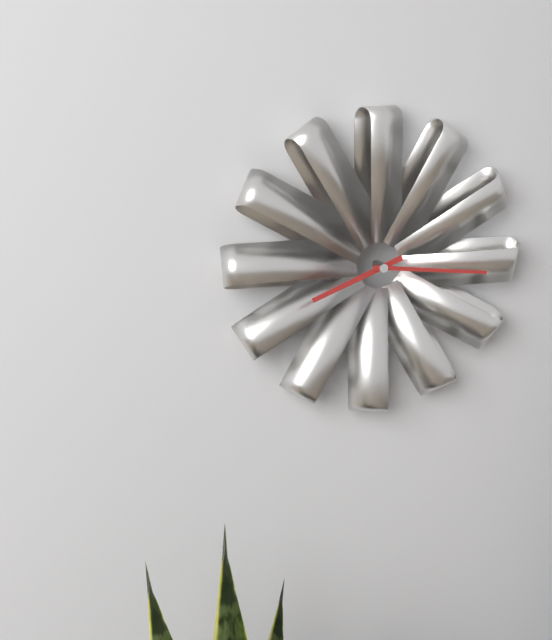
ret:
8:16
